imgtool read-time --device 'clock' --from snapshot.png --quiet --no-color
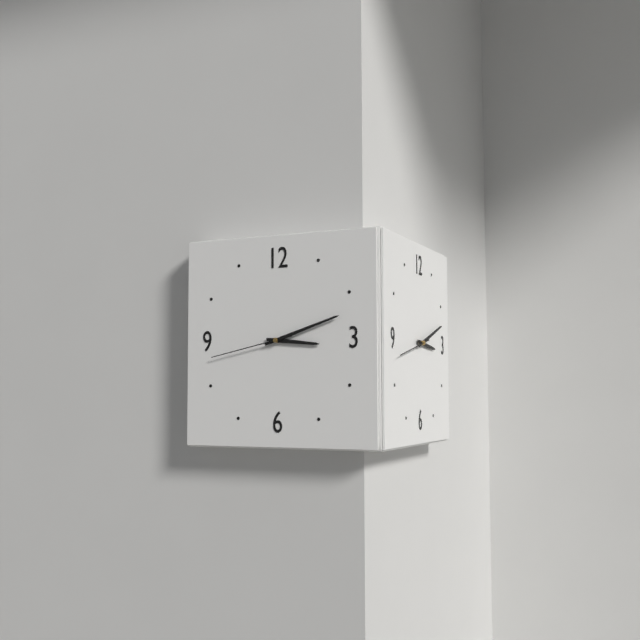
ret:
3:12:43
